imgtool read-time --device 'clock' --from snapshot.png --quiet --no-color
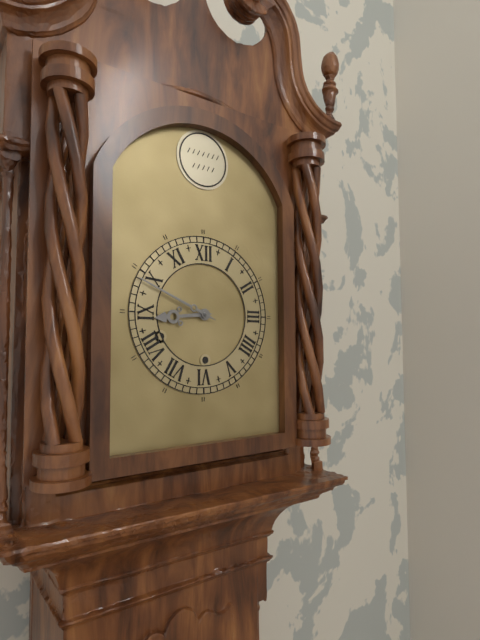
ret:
8:49
